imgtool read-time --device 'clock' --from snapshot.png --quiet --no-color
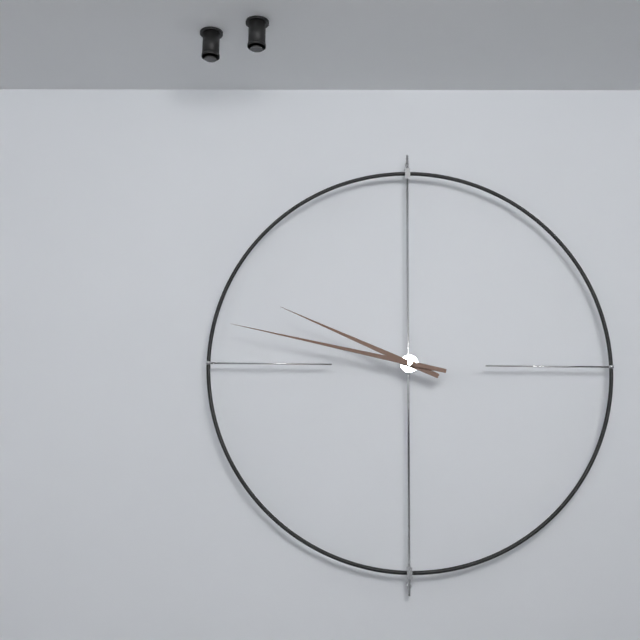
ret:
9:47
